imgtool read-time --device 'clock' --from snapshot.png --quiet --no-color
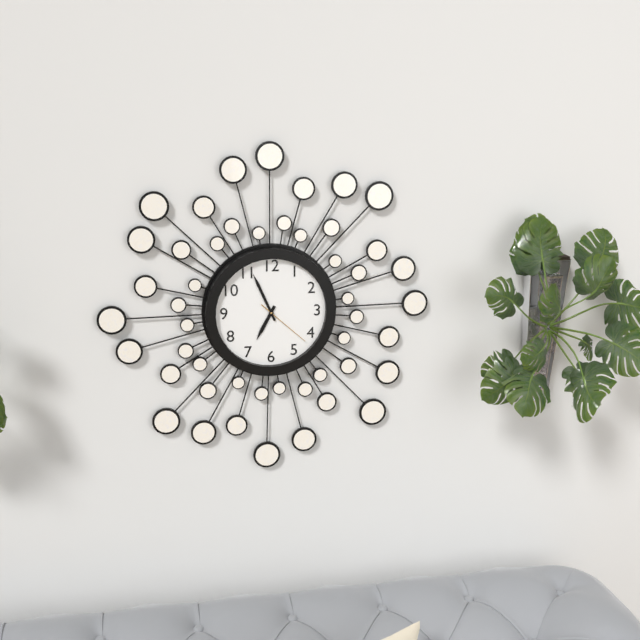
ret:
6:56:22
